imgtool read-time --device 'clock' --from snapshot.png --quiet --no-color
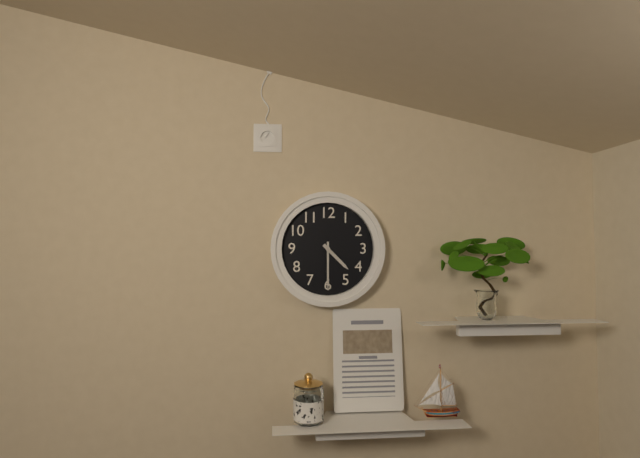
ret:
4:30
